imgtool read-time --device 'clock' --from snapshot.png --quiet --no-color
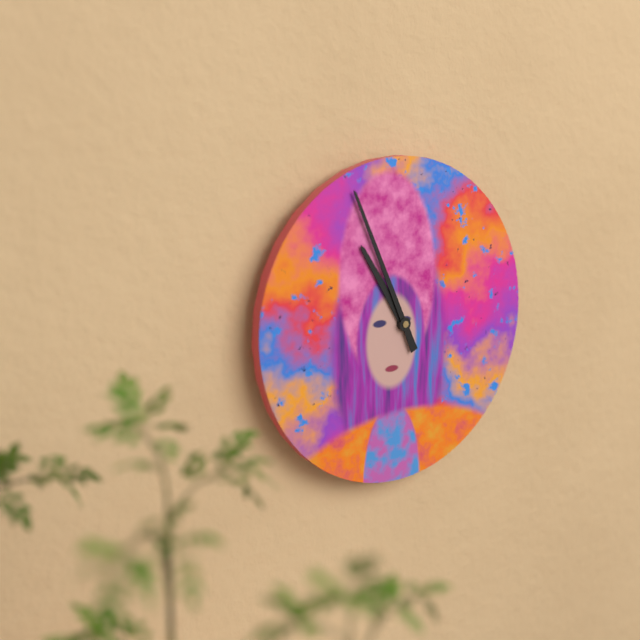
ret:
10:56
